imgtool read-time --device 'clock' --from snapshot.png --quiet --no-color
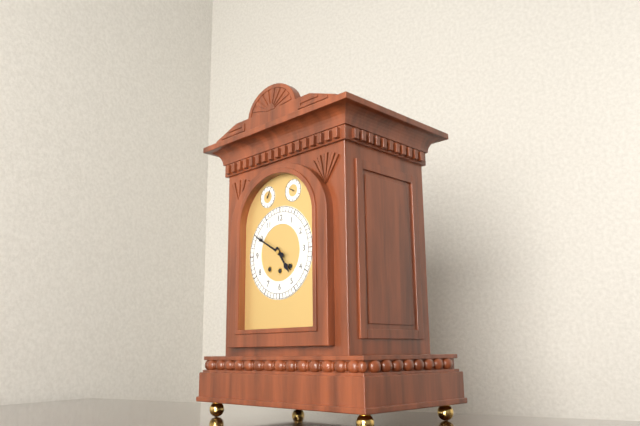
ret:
4:50
